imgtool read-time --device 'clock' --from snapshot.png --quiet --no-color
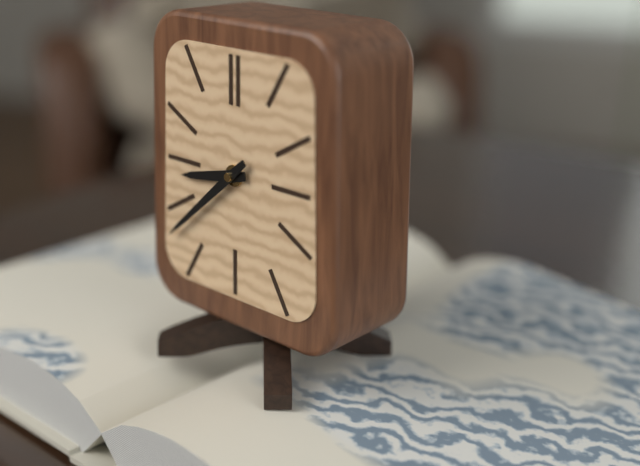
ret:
8:38
